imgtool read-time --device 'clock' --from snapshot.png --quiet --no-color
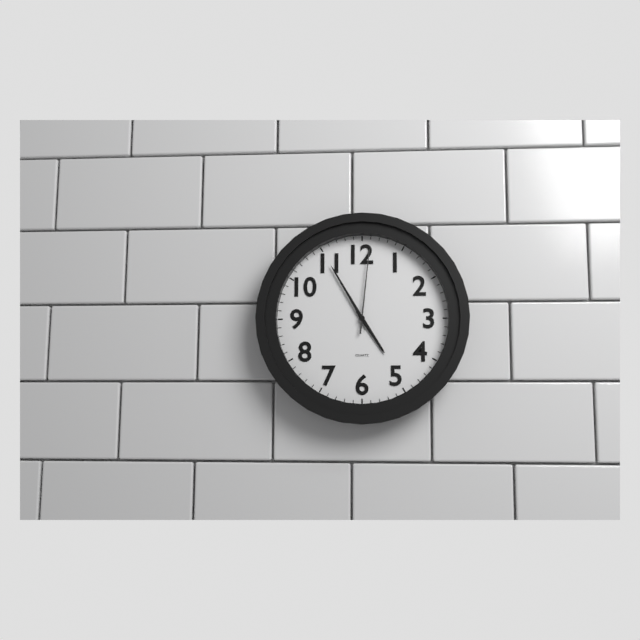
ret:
4:55:01
